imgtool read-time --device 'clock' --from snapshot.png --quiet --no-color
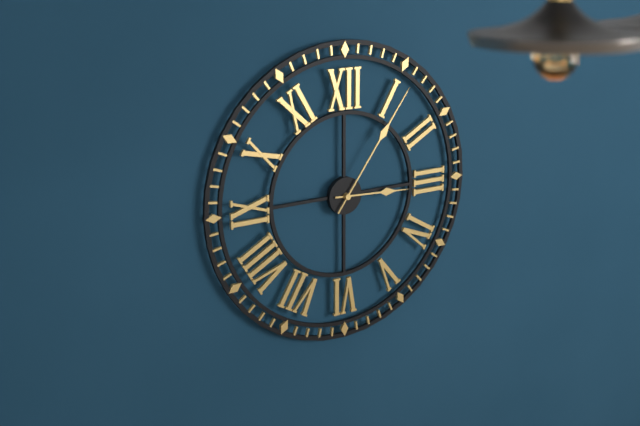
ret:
3:06
